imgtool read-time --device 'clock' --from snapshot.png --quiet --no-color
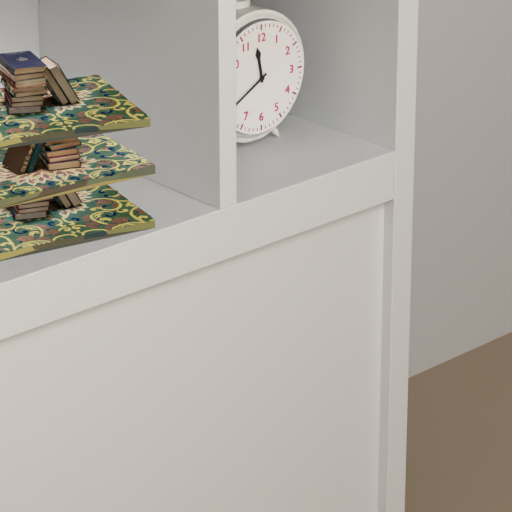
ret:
11:40
